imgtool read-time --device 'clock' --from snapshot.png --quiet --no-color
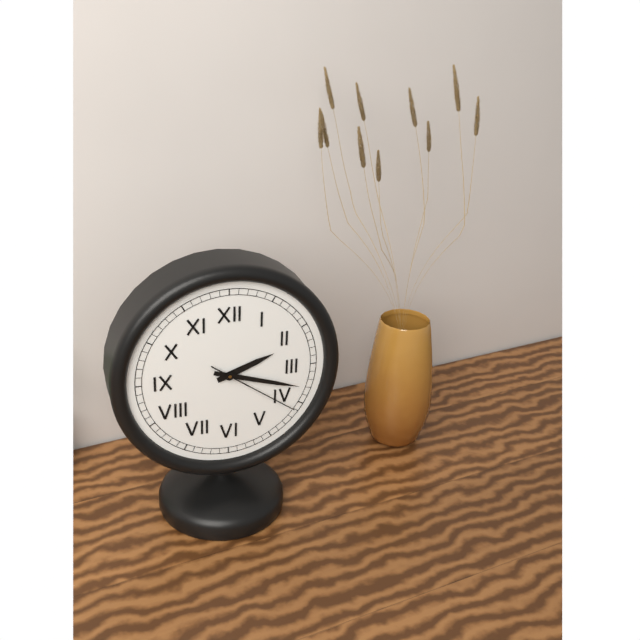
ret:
2:18:21
